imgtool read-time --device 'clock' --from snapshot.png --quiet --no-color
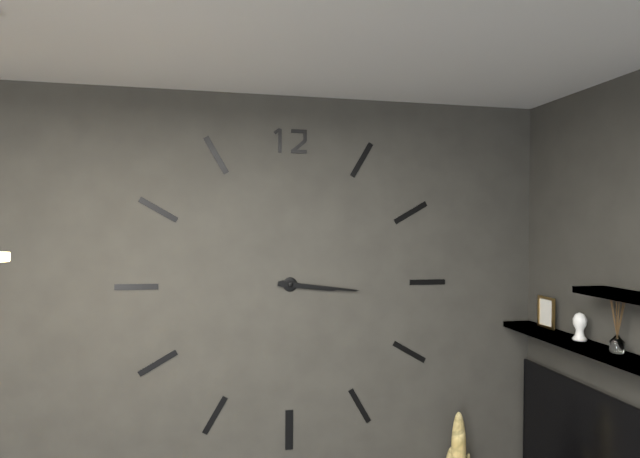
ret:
3:16
